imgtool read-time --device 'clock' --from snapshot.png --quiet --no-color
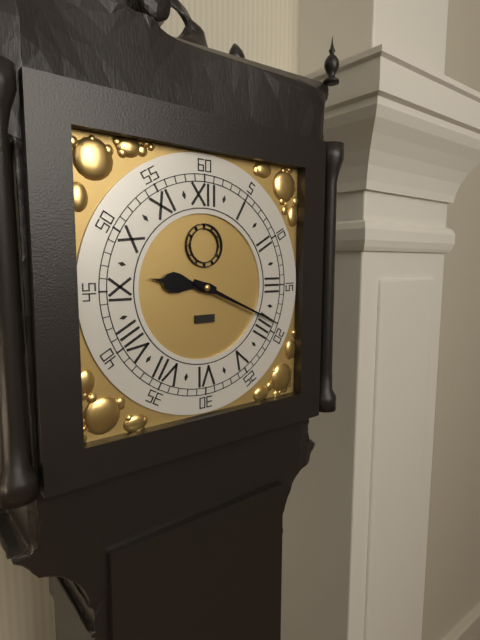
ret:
9:19
